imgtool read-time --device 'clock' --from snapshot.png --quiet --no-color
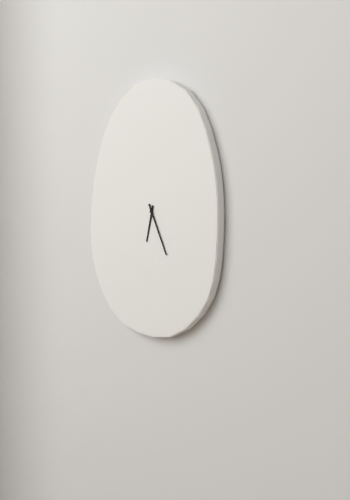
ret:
6:26
